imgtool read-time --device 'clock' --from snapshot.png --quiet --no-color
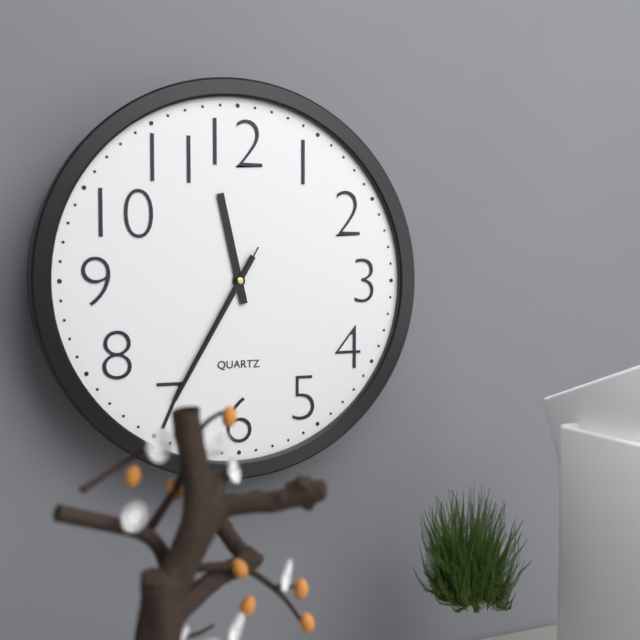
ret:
11:35:35
